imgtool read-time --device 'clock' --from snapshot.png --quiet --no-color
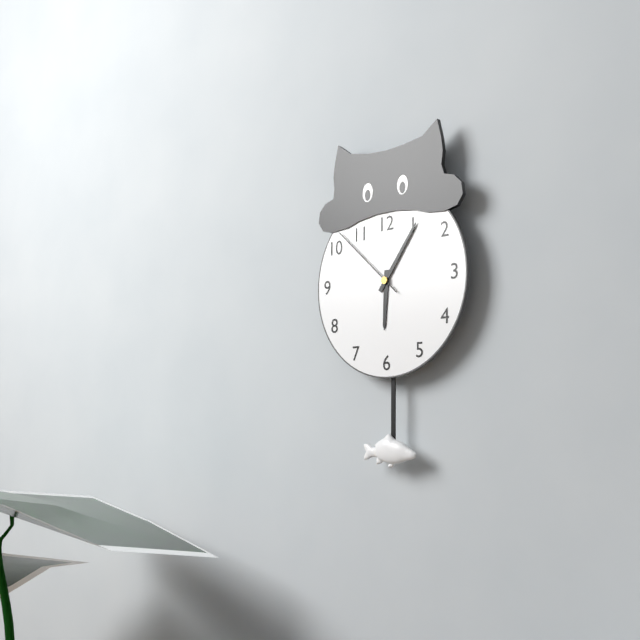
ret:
6:06:52
